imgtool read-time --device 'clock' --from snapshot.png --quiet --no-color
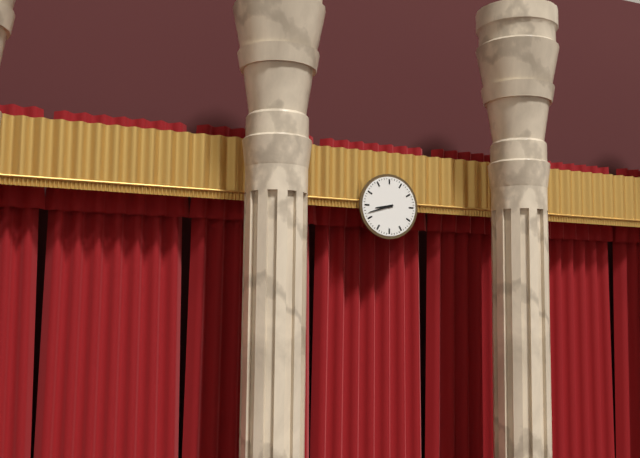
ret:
8:42
